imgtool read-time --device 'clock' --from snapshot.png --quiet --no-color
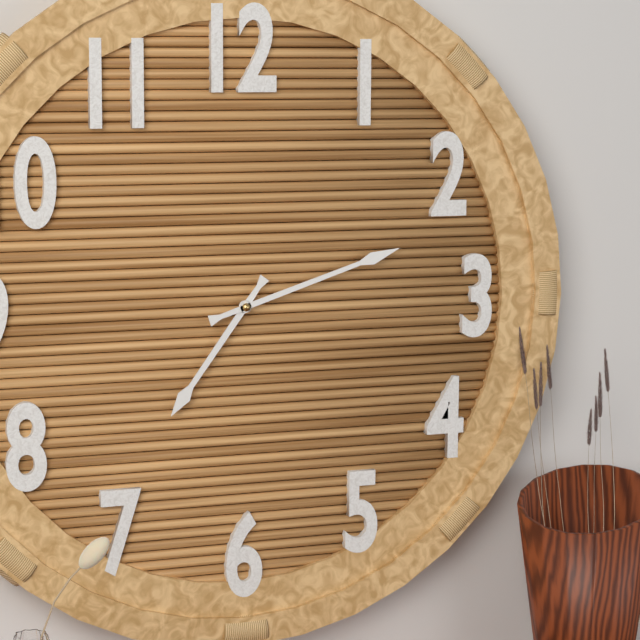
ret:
7:12
